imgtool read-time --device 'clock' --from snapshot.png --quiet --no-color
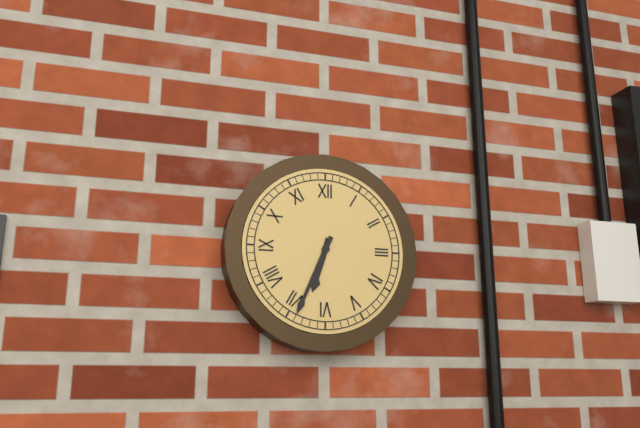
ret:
6:34
